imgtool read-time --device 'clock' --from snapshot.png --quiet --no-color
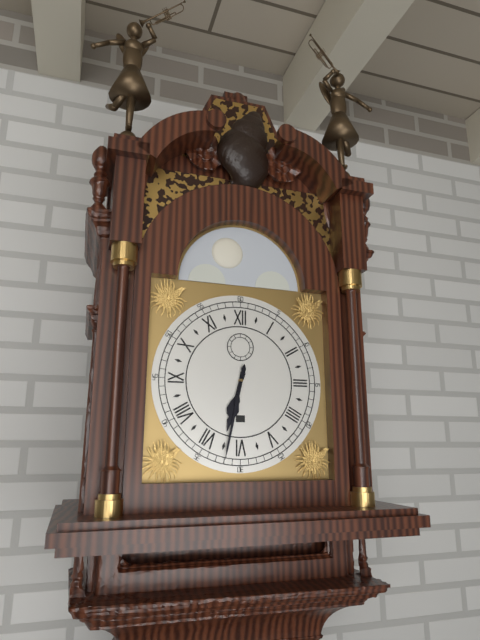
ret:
6:32
